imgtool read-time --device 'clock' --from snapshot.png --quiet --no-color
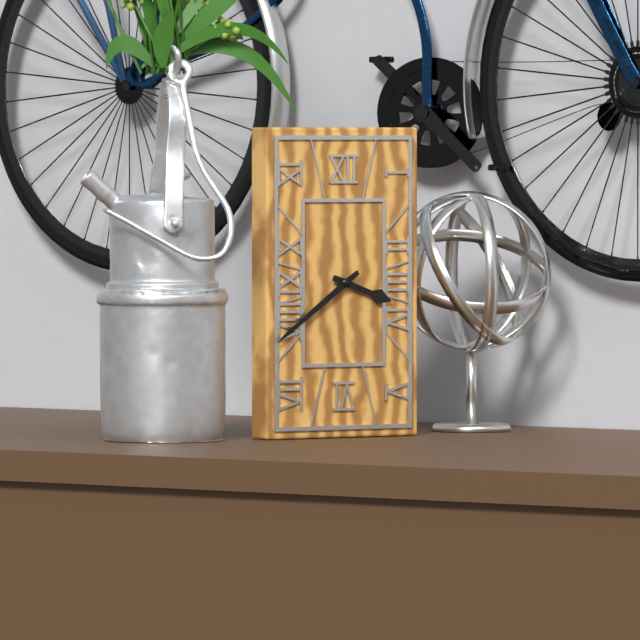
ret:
3:39
